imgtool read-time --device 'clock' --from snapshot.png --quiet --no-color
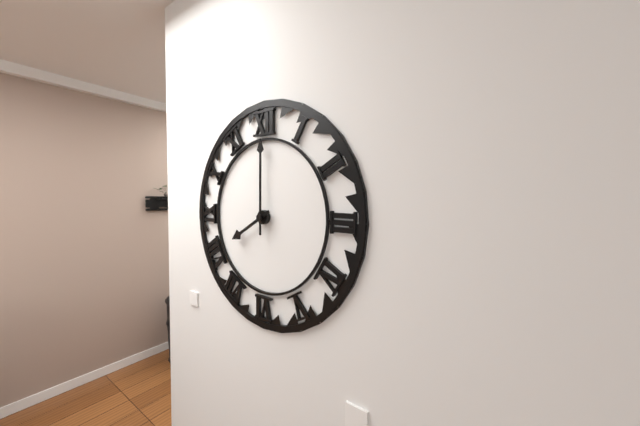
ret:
8:00
